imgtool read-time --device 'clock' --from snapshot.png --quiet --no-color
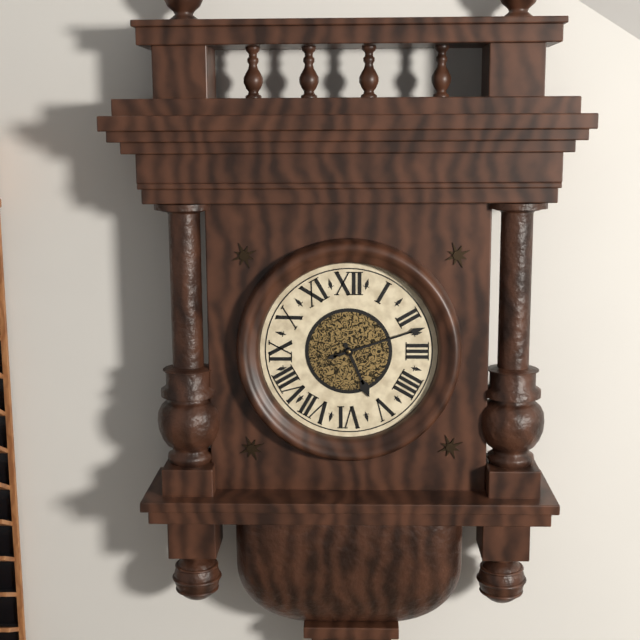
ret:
5:12
